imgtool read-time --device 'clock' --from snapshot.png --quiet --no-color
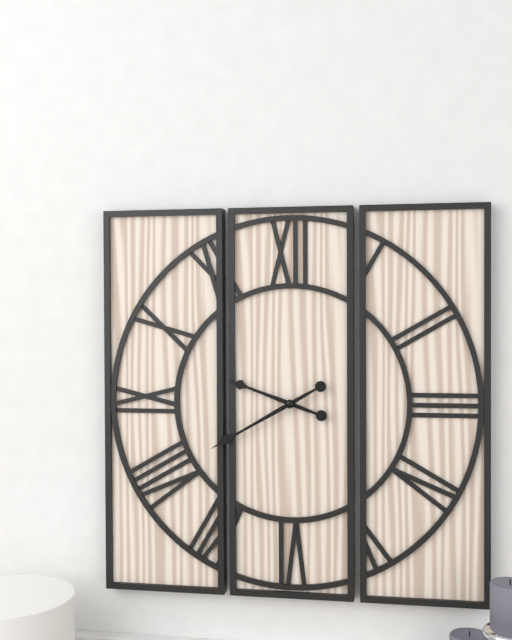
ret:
9:40
